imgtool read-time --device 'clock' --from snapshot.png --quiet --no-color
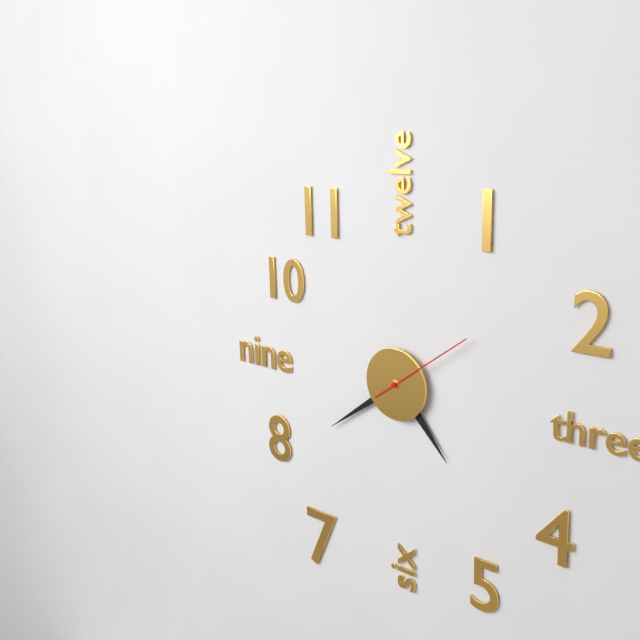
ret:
4:39:09
